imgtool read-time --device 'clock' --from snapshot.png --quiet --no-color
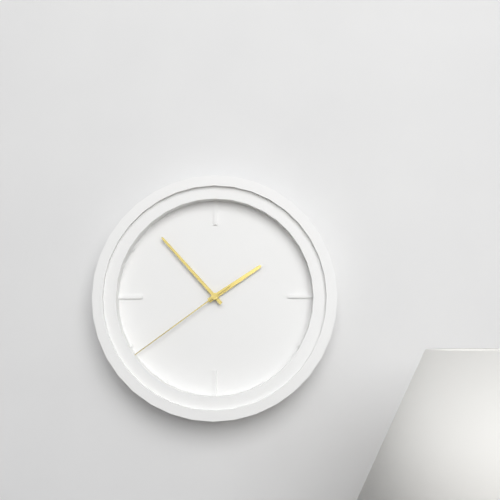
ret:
1:53:39
